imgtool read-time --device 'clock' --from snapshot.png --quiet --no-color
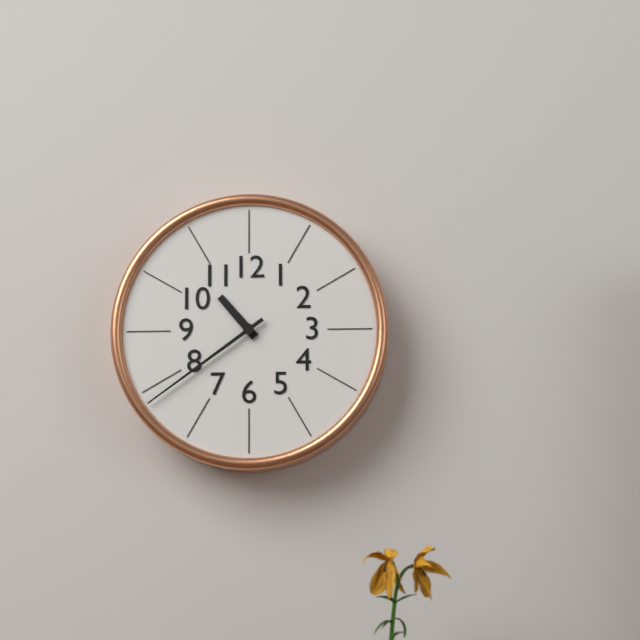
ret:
10:39
